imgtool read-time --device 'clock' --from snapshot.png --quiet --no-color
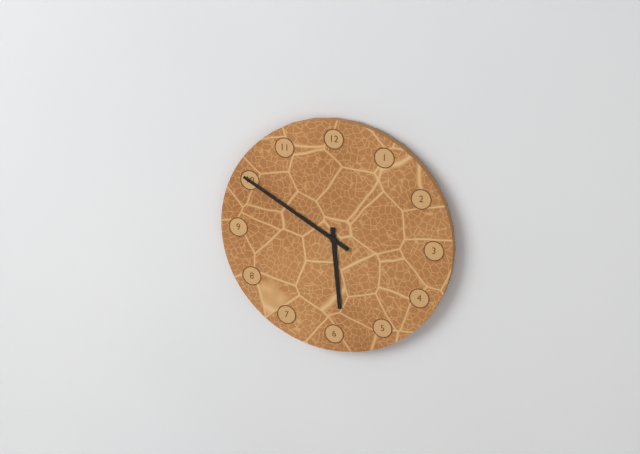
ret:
5:50
